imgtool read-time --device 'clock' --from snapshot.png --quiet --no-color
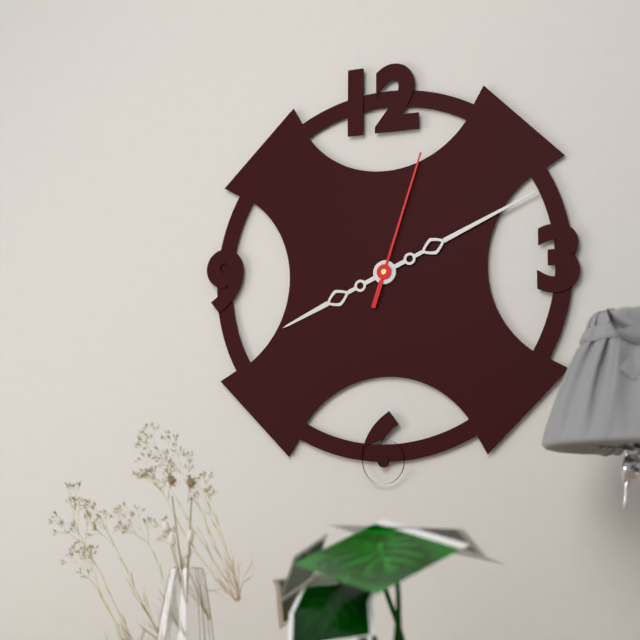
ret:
8:11:03
